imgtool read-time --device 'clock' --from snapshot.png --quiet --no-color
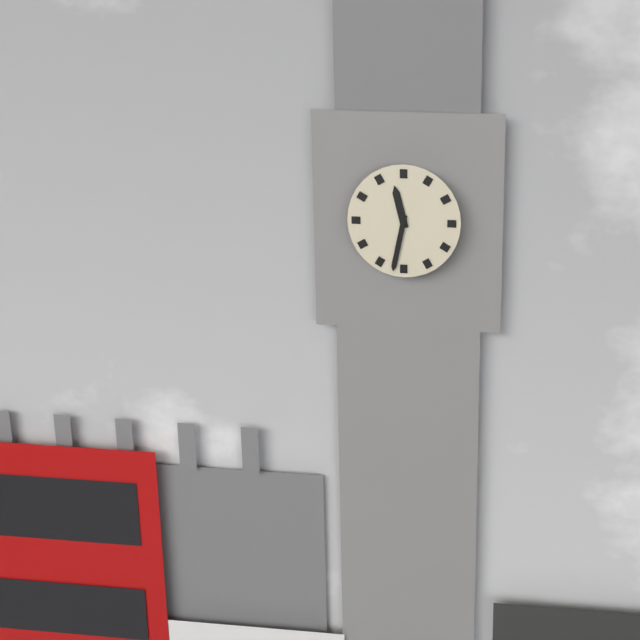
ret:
11:32
